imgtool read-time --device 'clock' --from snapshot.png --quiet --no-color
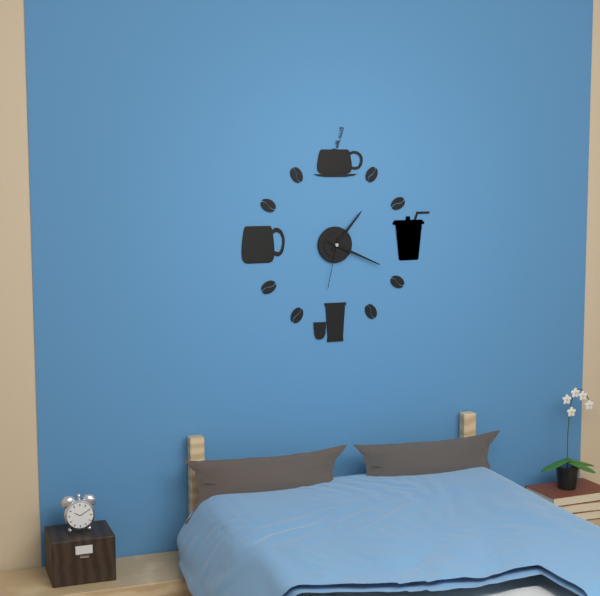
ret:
1:19:32
